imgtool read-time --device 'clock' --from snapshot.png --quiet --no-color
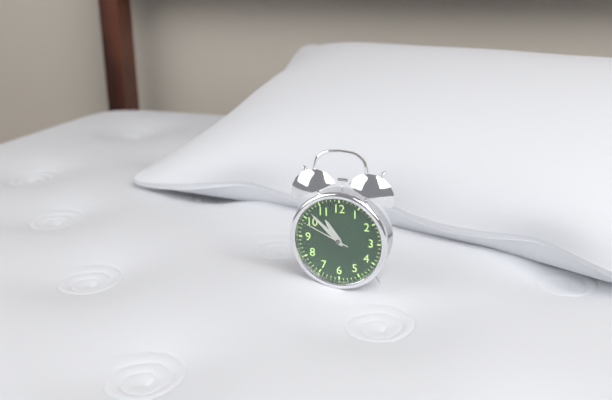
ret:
10:52:49
